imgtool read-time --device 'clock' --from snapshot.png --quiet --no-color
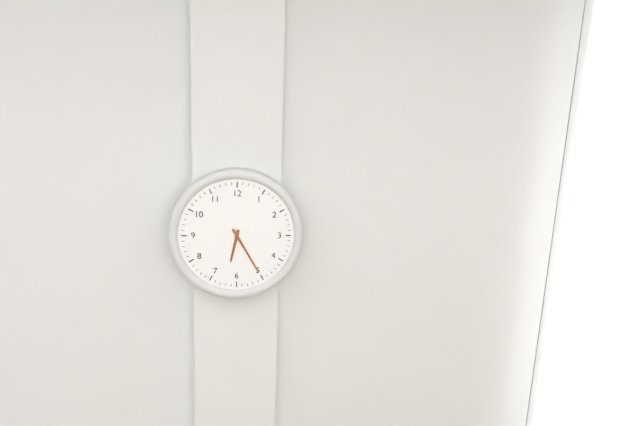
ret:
6:25
